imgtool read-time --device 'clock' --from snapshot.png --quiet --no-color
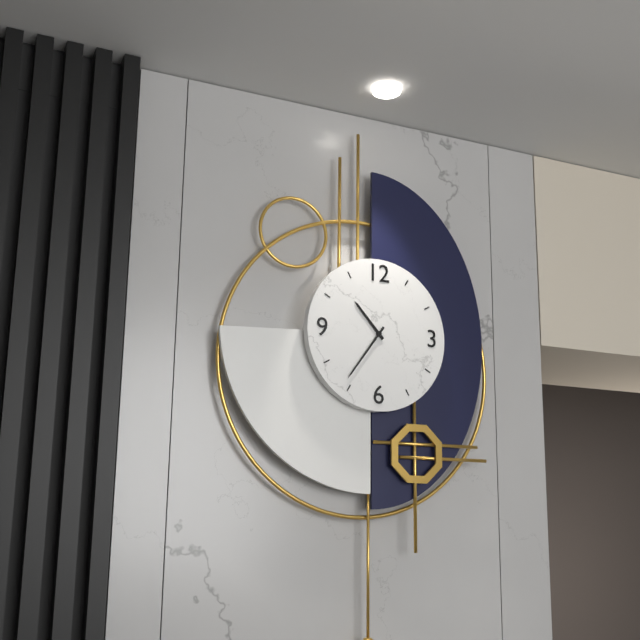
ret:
10:36
